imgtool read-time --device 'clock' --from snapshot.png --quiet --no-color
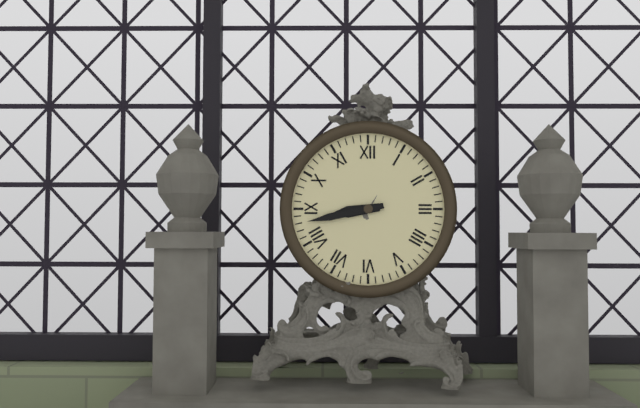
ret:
8:43
